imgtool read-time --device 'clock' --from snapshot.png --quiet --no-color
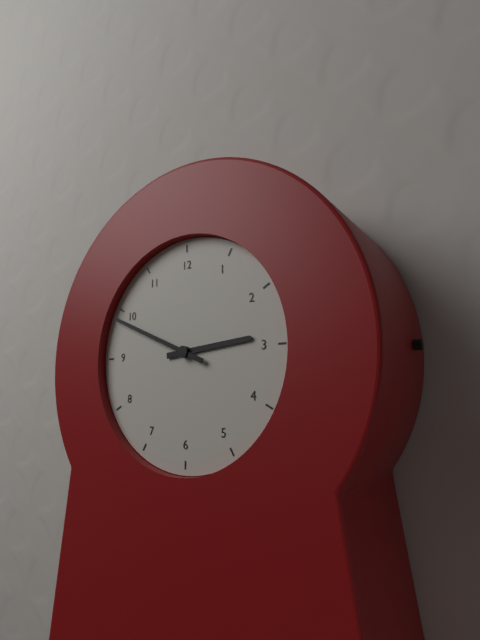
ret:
2:49
